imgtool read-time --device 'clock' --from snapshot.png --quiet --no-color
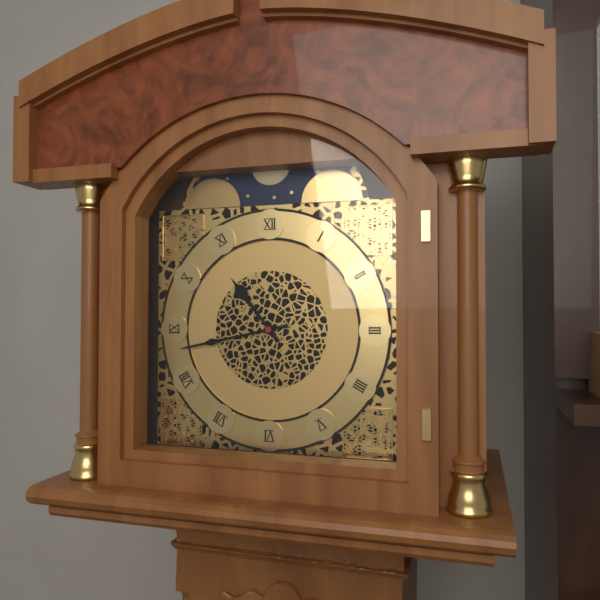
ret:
10:43
